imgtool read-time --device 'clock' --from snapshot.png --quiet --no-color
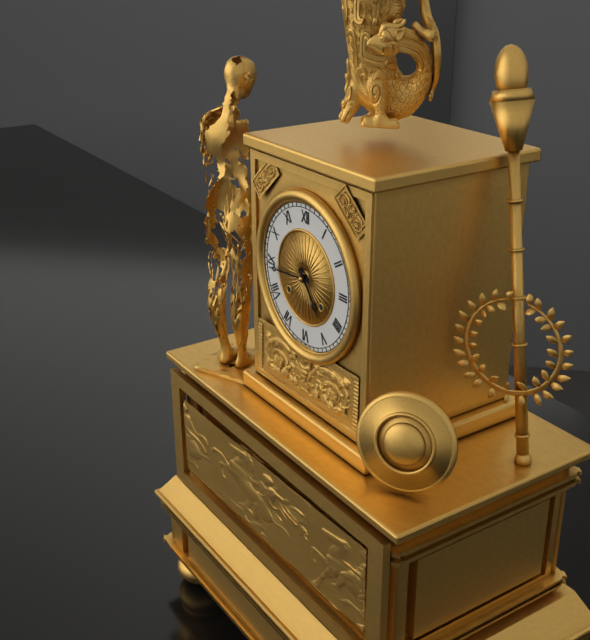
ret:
4:44
